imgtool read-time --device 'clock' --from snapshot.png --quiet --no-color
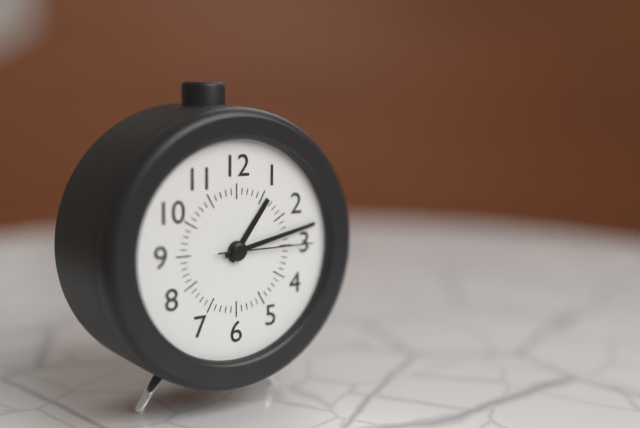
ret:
1:13:15
